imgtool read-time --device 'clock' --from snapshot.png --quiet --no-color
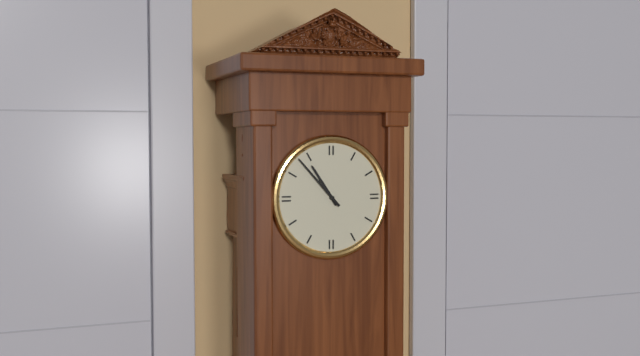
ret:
10:53
